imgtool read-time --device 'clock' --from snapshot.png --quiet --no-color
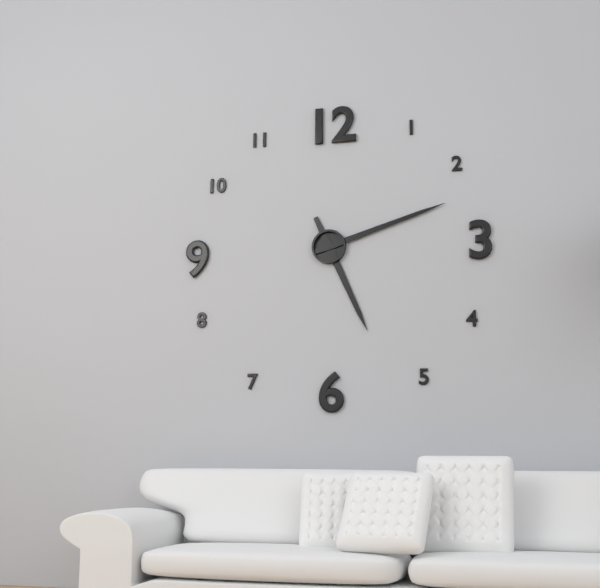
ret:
5:12
